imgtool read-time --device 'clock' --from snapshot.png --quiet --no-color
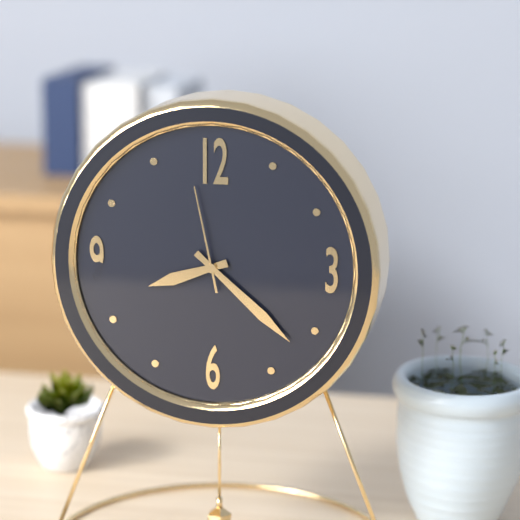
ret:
8:22:58
